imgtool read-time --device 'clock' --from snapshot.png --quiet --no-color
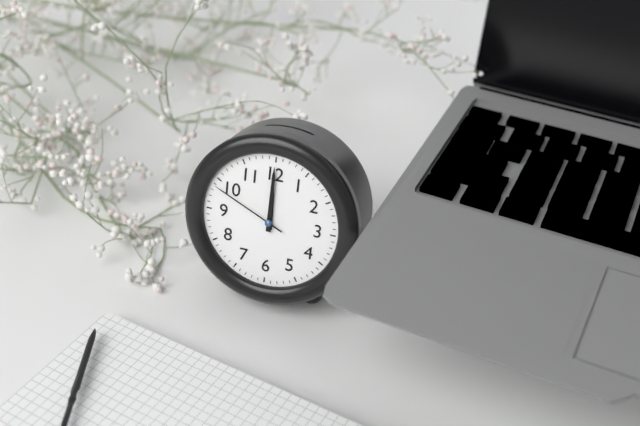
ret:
12:00:49
